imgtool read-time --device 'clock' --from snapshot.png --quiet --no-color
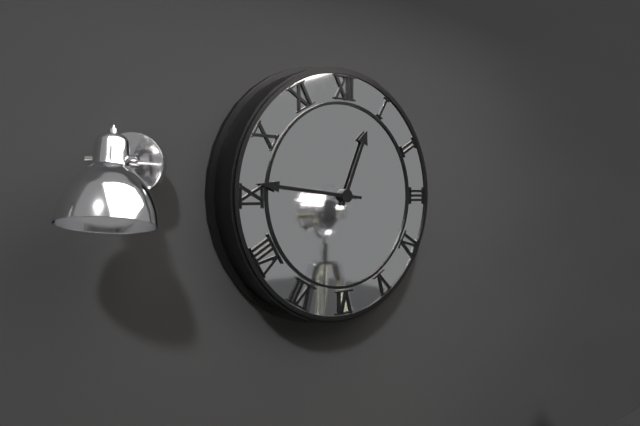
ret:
12:46
